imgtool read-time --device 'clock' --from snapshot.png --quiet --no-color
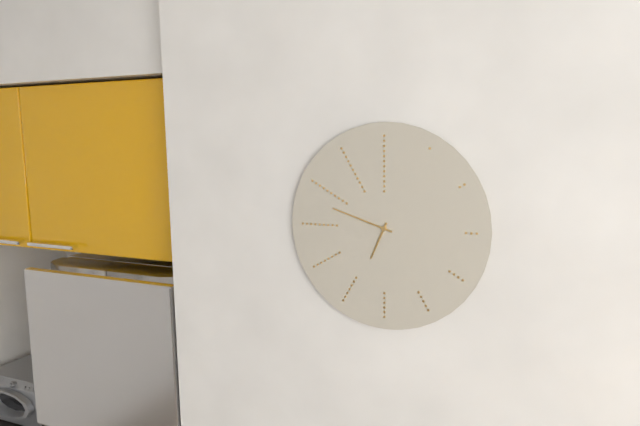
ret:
6:48
